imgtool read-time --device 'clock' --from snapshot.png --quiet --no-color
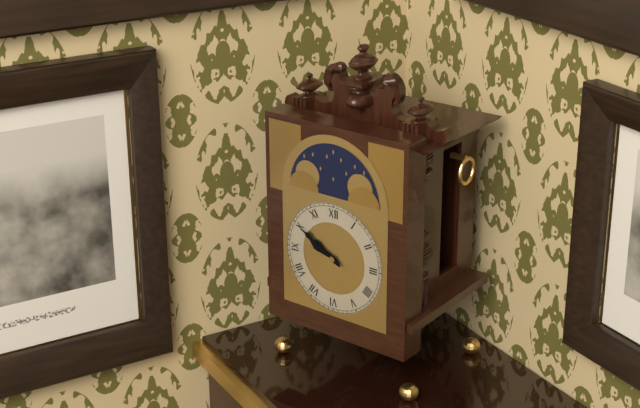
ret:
9:50
